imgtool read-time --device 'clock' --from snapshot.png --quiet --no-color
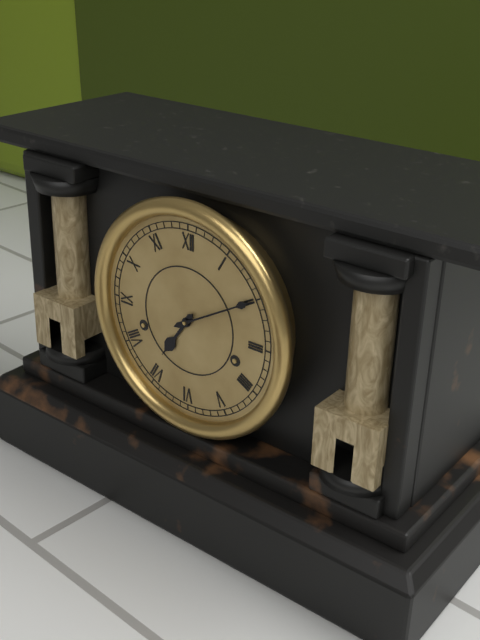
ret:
7:10
